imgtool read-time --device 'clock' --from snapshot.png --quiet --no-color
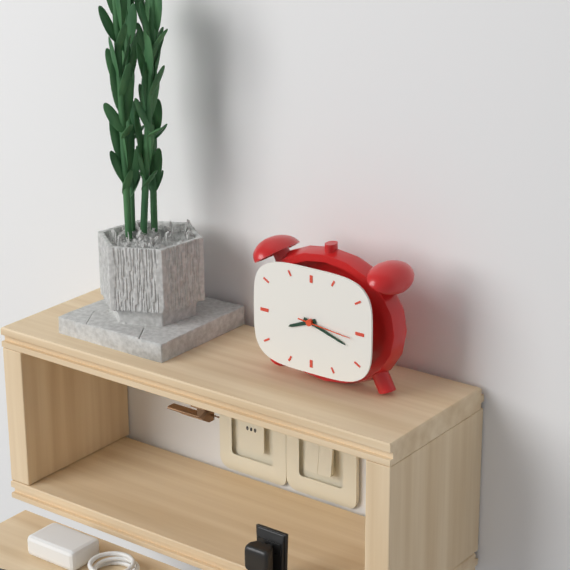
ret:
8:18:16
